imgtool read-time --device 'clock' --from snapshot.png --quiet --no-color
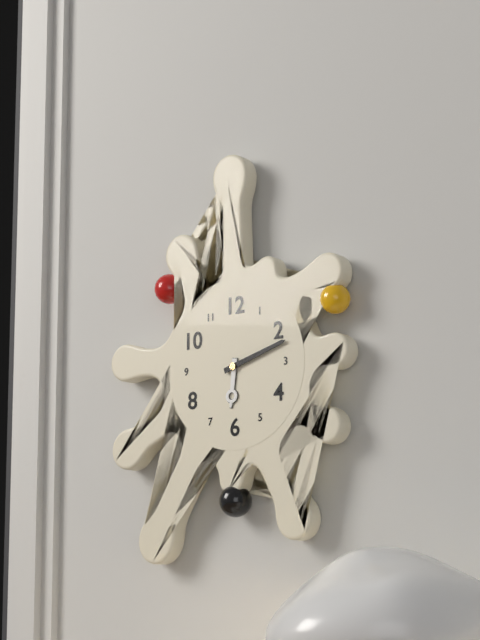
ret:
6:12
